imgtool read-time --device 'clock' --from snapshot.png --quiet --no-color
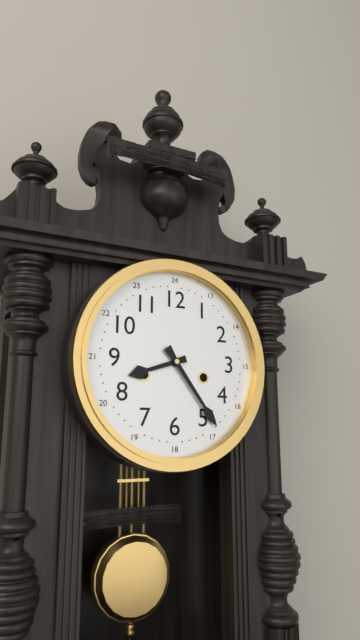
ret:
8:24
